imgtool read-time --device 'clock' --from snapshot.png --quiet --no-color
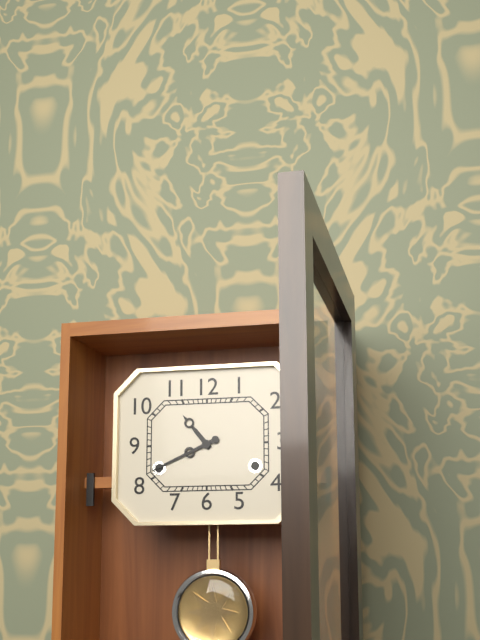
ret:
10:41
